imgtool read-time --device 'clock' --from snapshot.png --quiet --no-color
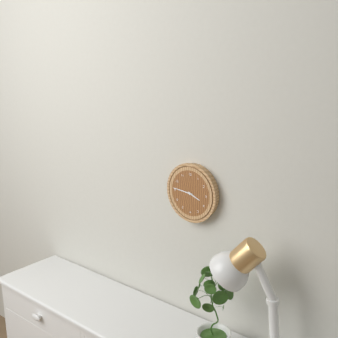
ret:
3:46
